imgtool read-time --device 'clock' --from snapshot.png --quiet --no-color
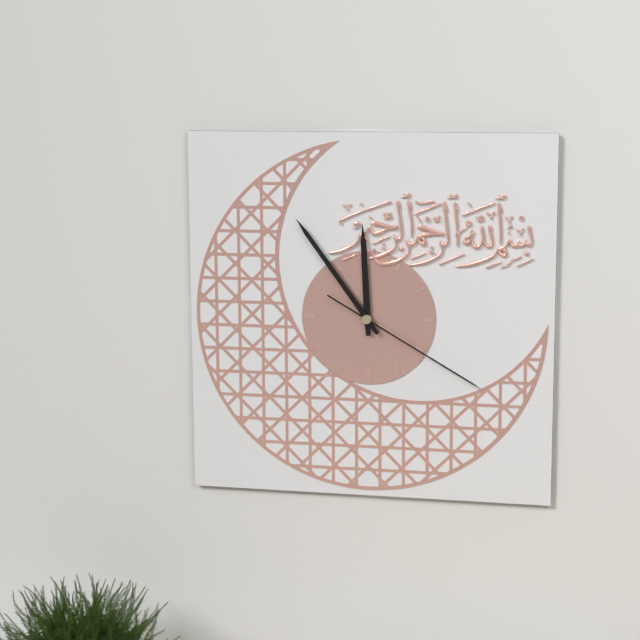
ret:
11:54:20
